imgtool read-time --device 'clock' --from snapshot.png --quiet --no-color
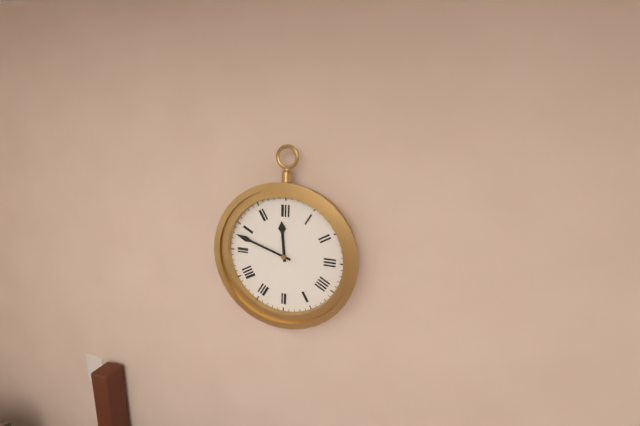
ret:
11:48
